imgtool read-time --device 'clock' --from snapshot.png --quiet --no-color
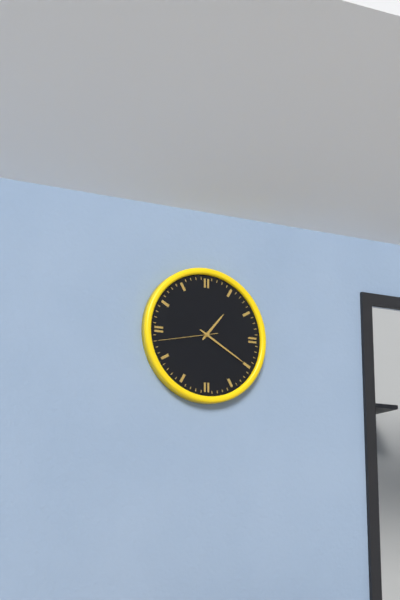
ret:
1:20:43
